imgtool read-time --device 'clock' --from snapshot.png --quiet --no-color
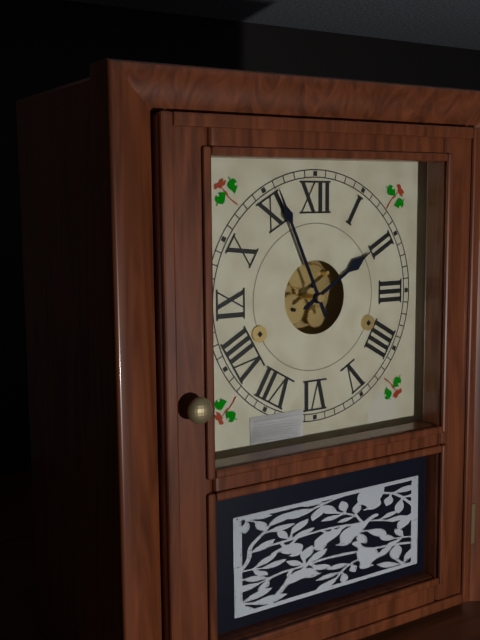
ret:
1:56
